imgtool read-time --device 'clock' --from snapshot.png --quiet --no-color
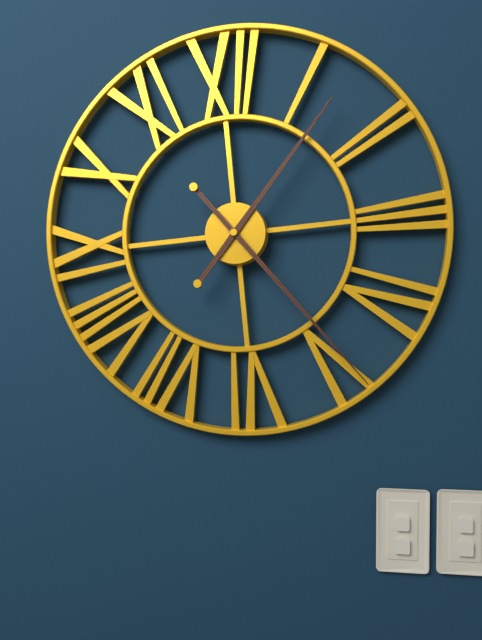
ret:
1:24
